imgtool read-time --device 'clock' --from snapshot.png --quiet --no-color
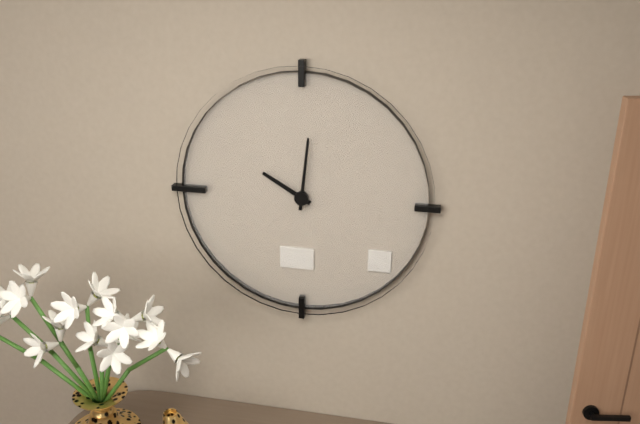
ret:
10:01
